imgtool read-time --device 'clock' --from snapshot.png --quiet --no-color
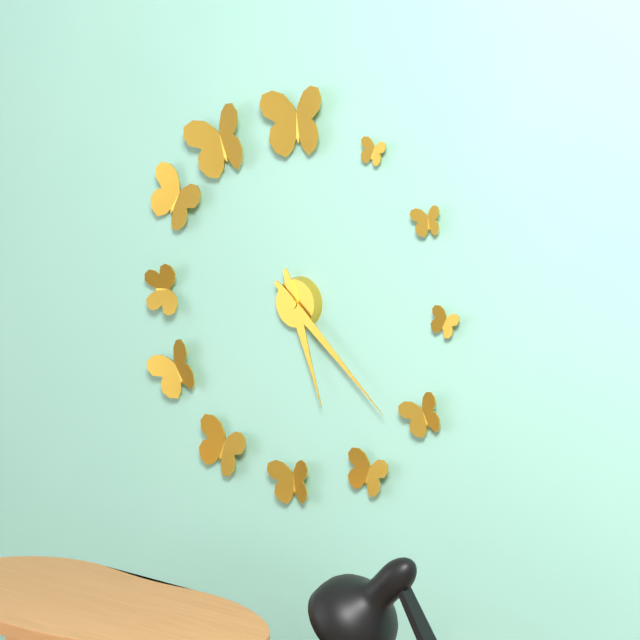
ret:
5:22
